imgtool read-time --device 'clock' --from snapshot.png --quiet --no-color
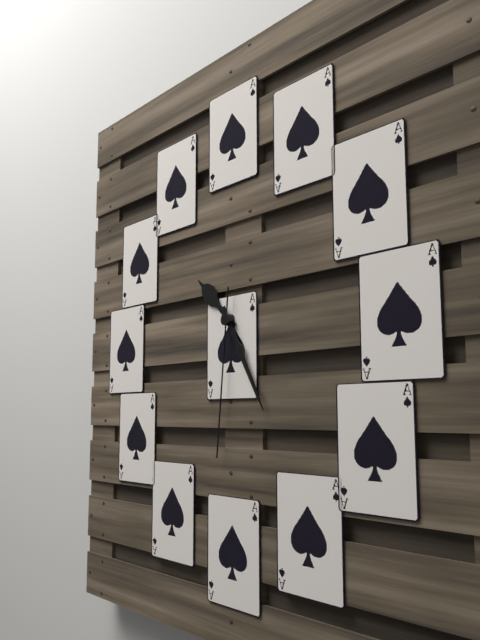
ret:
10:25:31
